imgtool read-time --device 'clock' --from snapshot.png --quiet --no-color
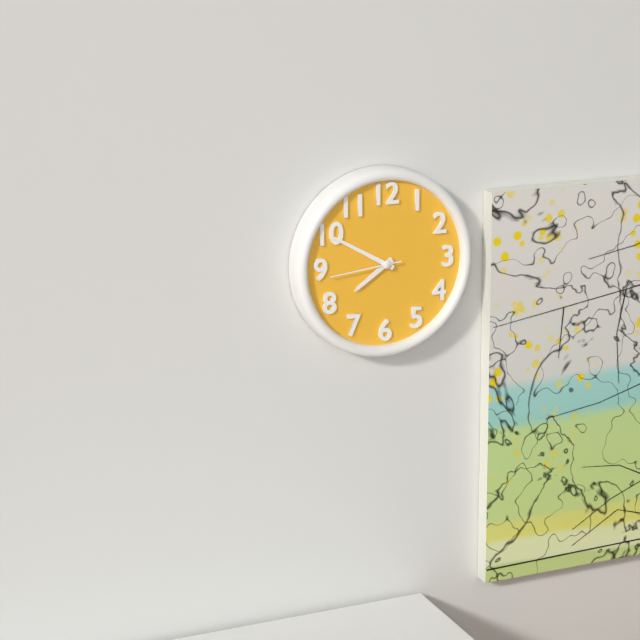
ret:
7:50:44
